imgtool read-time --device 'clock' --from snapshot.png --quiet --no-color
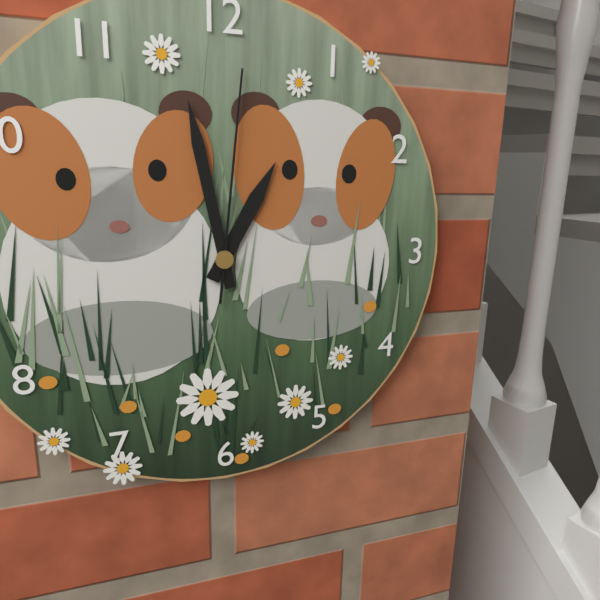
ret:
12:58:01
